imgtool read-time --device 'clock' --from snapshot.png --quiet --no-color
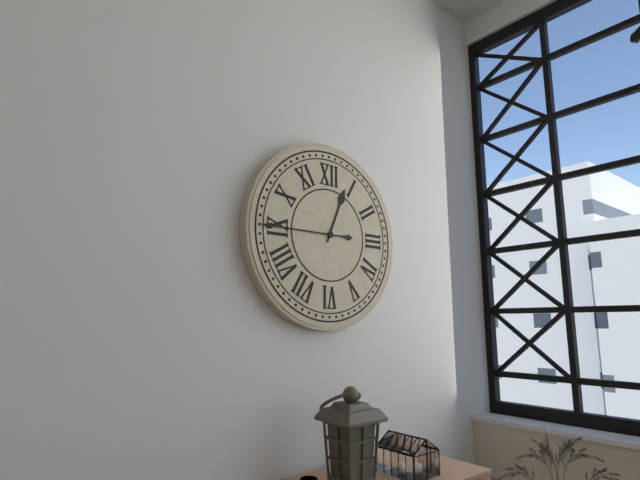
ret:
12:45
